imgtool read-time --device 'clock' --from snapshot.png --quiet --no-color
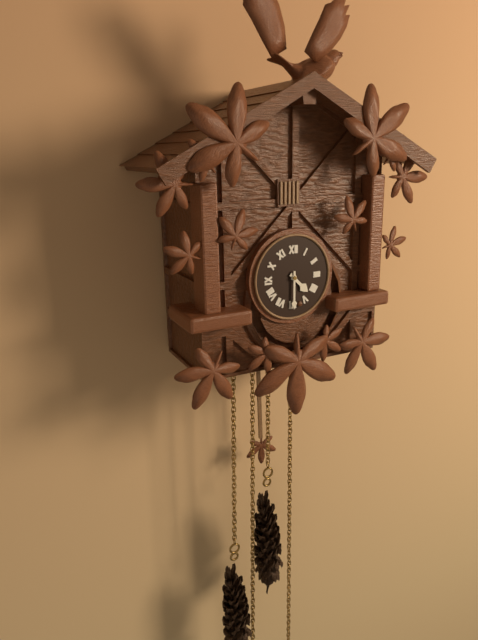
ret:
4:30
